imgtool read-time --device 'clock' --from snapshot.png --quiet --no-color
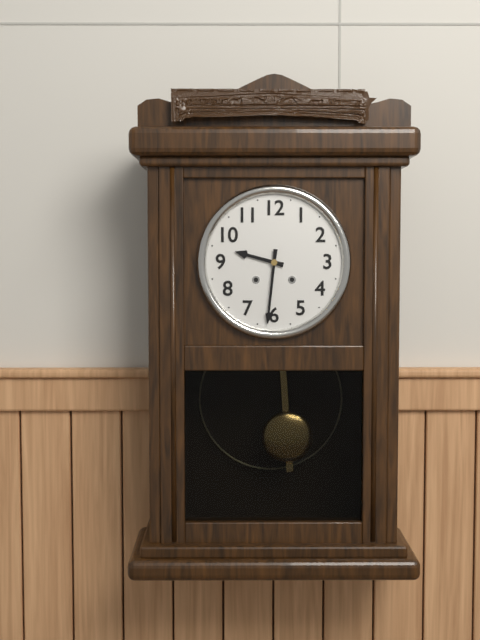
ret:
9:31
